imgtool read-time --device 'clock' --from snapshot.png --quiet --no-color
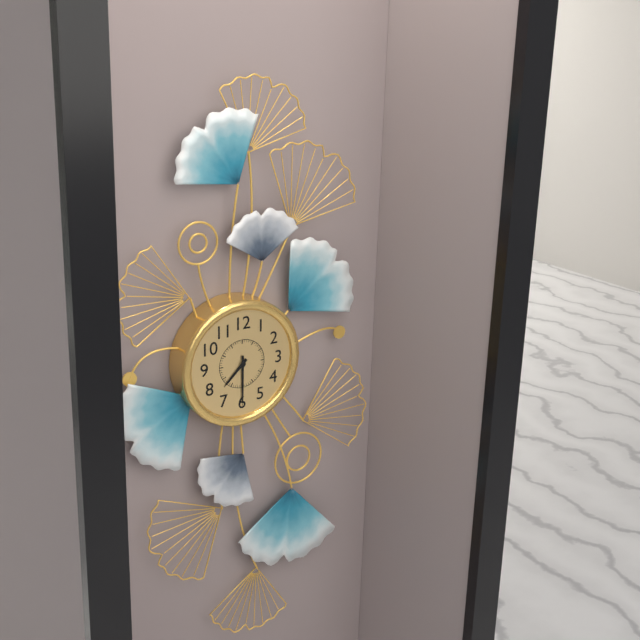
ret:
7:30
